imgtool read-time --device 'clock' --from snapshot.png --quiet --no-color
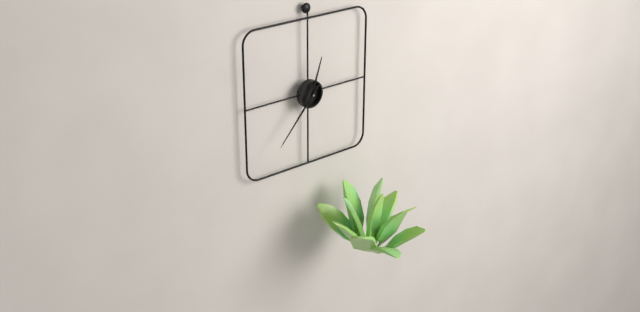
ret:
12:37
